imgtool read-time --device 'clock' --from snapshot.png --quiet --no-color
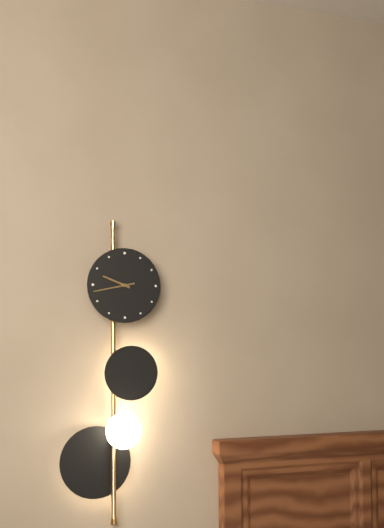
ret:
9:43
